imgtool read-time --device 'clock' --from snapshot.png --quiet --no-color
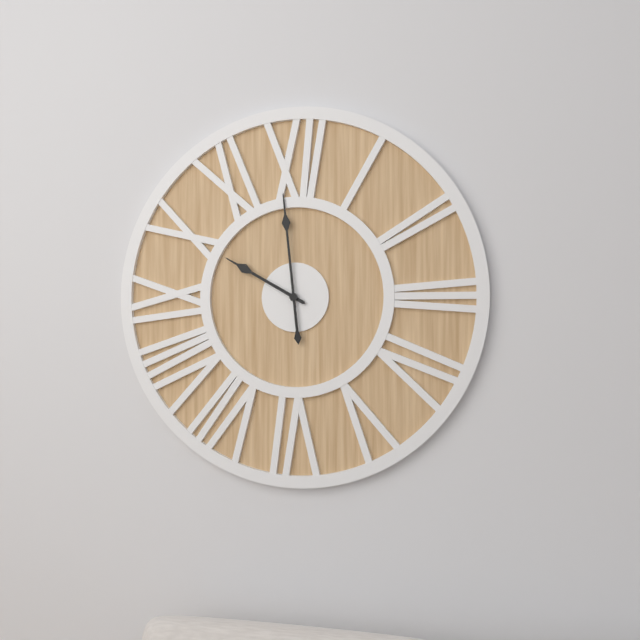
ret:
9:59
